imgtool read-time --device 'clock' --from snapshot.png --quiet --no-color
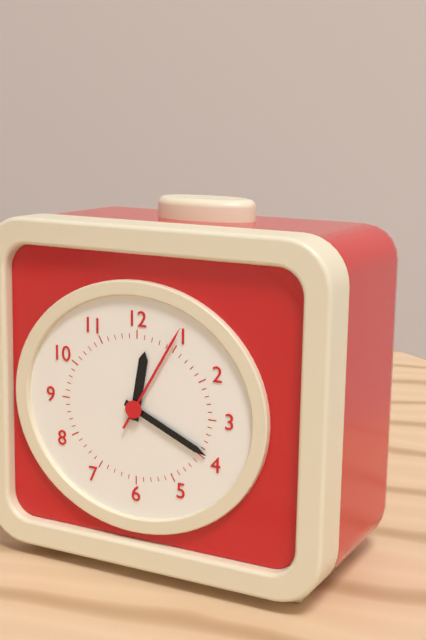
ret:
12:19:05
